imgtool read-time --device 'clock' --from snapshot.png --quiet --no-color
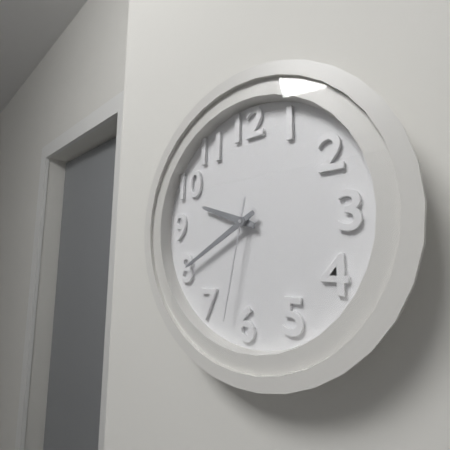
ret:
9:40:32
